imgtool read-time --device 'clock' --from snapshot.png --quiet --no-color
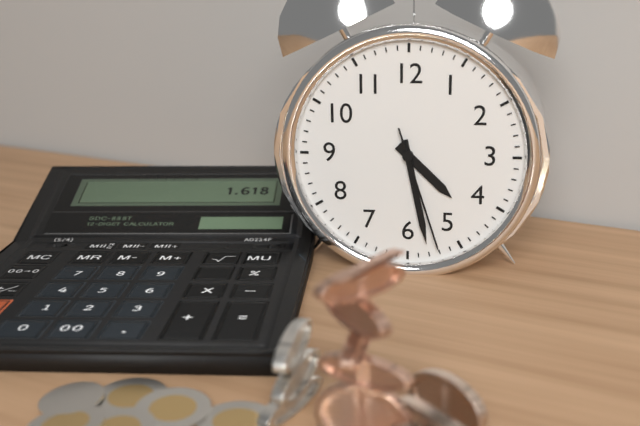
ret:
4:28:27
